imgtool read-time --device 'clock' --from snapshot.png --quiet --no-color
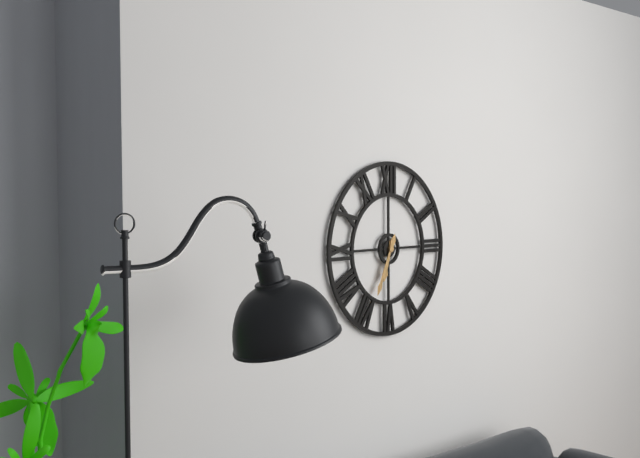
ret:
6:34
